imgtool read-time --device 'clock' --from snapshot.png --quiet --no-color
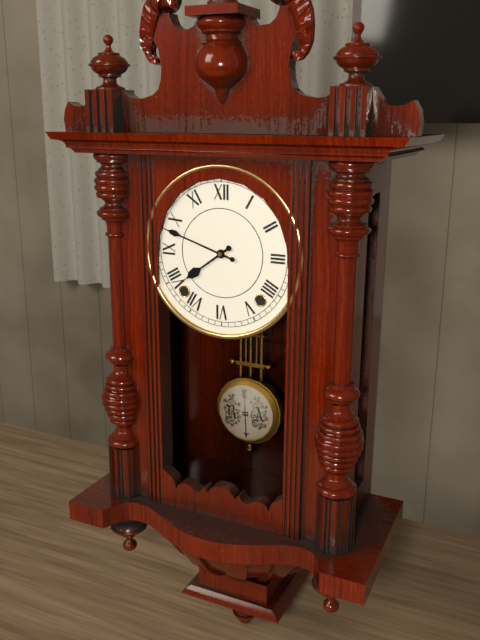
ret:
7:48
